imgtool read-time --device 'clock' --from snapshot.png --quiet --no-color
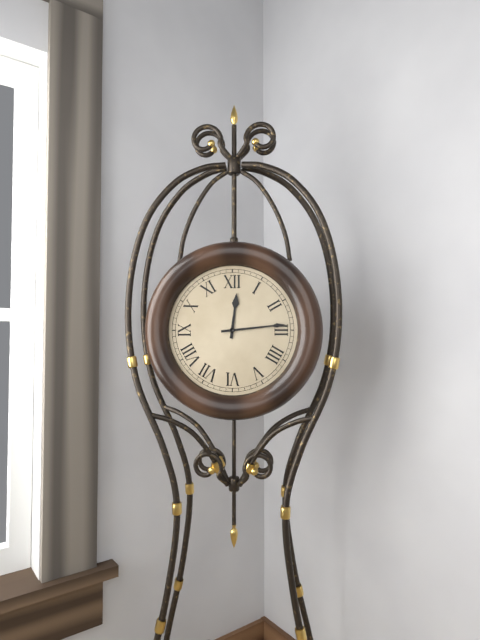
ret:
12:14
